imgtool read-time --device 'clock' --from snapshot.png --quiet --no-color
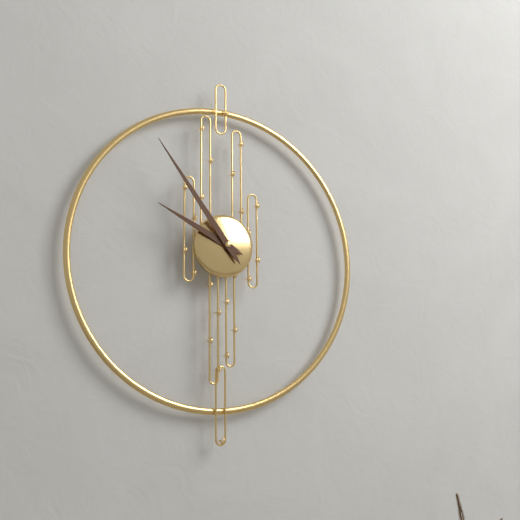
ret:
9:54
